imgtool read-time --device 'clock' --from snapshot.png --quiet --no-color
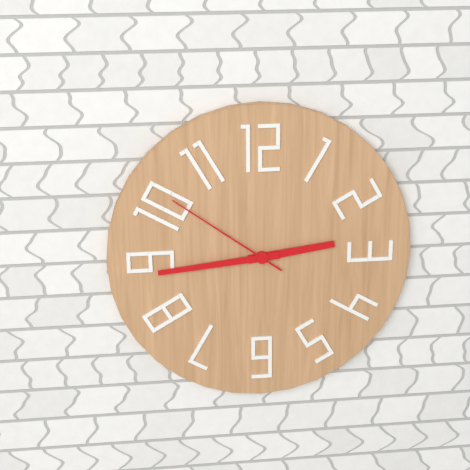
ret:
2:44:51
